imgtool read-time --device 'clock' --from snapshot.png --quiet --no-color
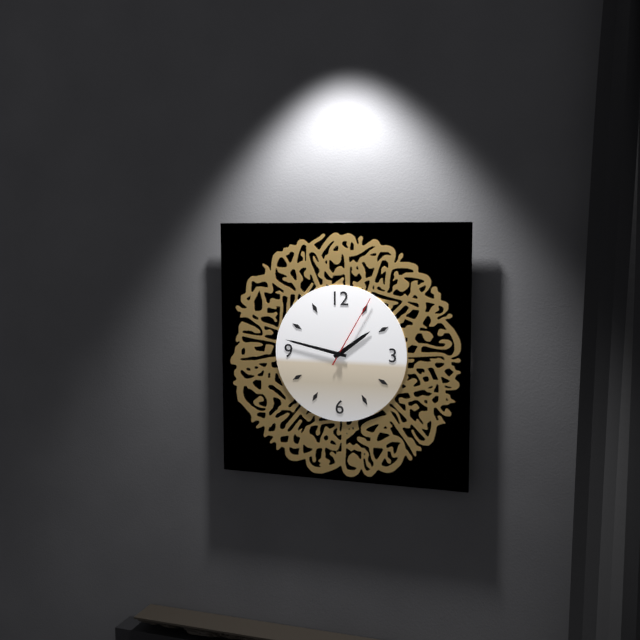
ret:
1:47:05
